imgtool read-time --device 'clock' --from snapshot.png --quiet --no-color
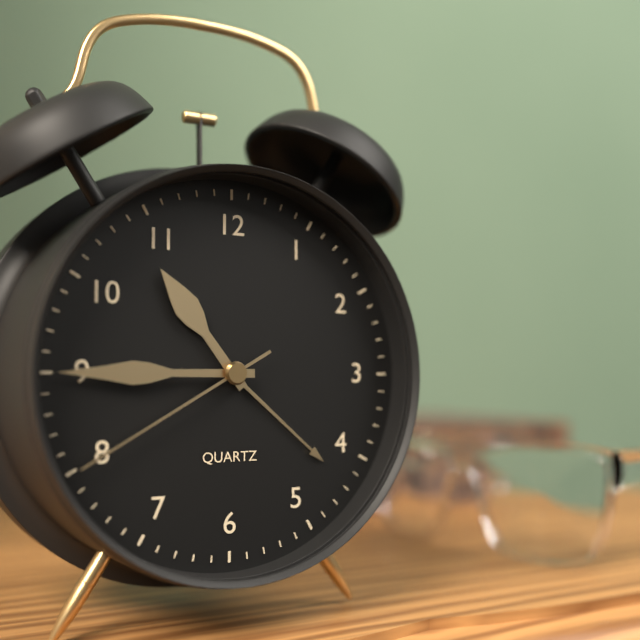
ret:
10:45:40
